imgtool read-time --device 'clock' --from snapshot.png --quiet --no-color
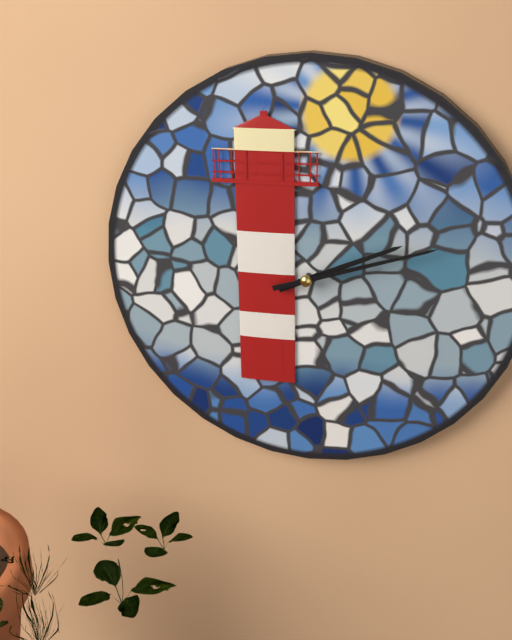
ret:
2:12
